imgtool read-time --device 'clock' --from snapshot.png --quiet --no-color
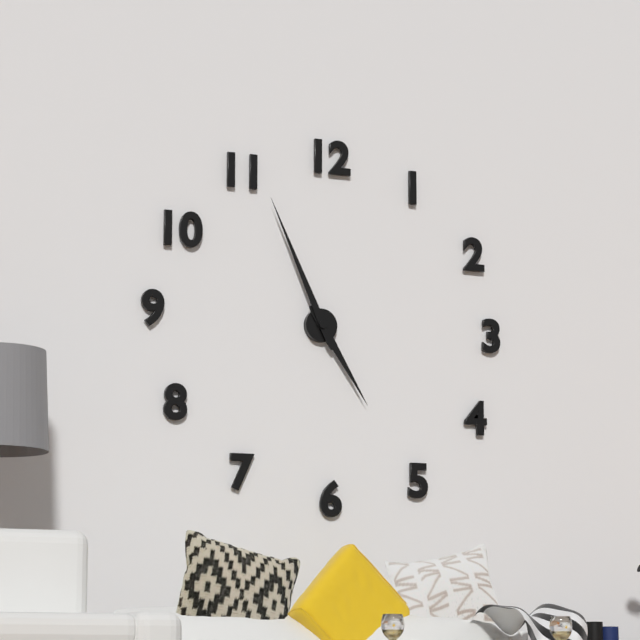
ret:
4:56
